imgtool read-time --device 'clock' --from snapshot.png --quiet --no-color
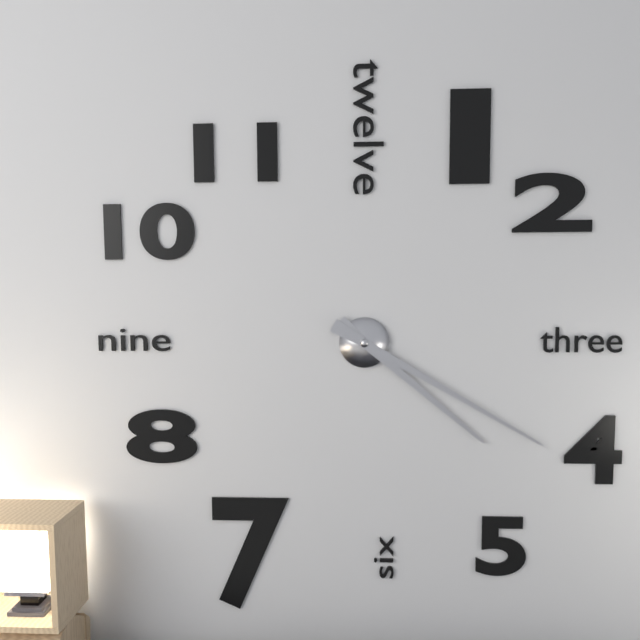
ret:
4:20
